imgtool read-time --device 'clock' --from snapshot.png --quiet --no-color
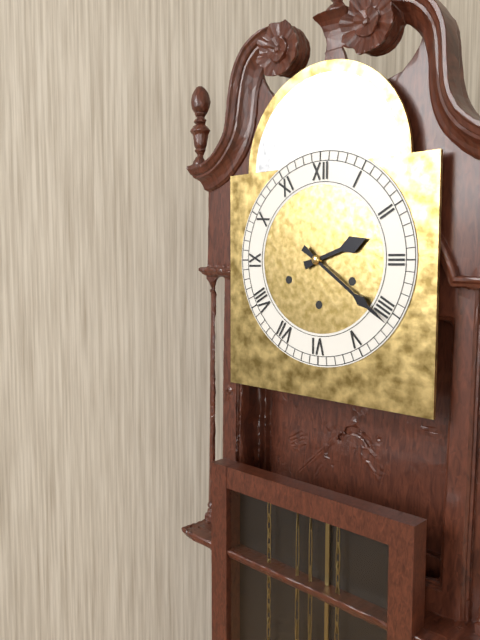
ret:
2:21
